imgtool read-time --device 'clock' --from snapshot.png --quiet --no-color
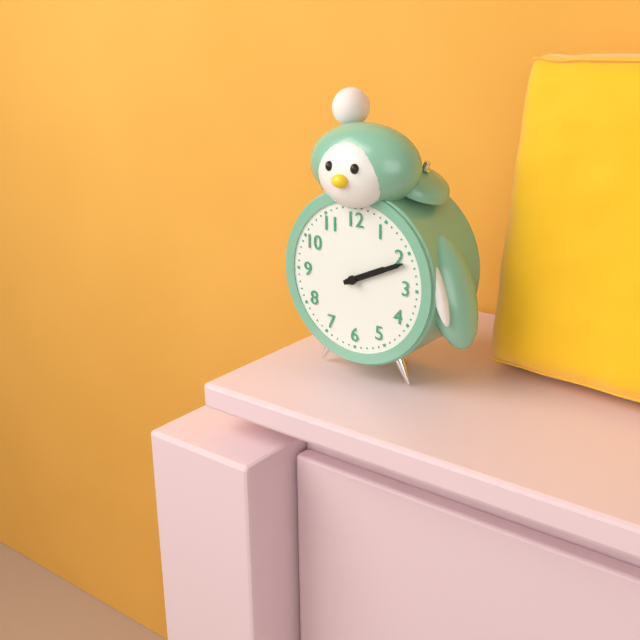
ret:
2:11
